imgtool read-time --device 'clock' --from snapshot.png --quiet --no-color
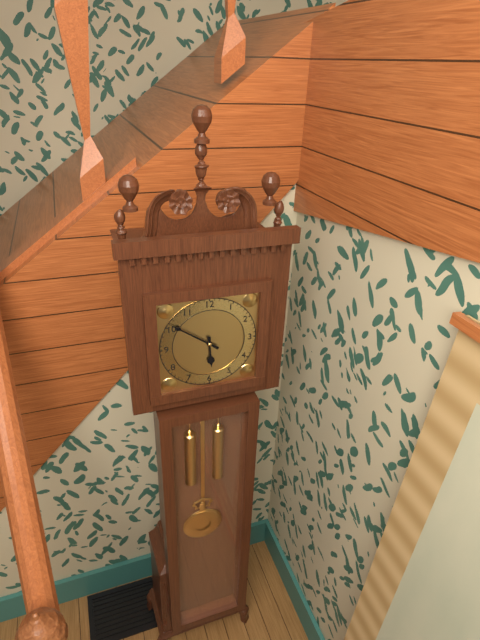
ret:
5:51
